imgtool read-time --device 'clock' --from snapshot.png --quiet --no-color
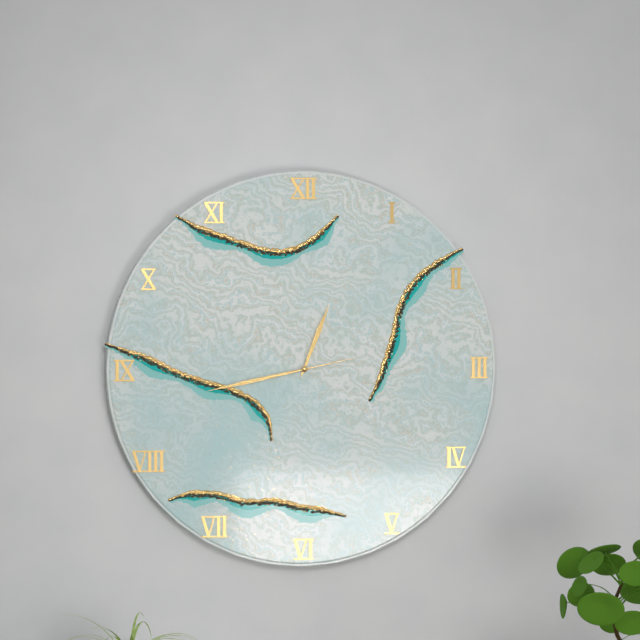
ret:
12:43:13
